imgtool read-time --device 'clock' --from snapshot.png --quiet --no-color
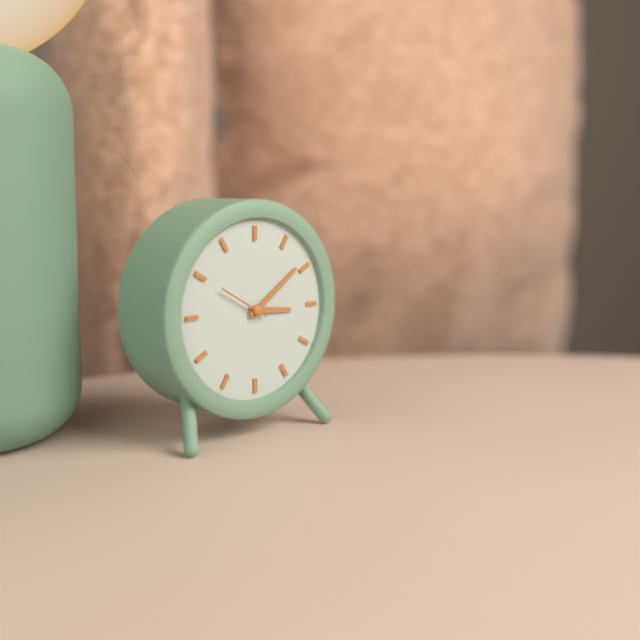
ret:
3:09:50
